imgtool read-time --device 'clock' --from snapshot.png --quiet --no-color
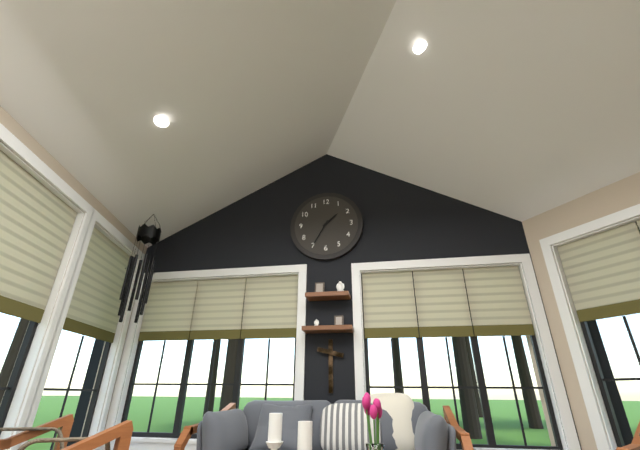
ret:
1:35
